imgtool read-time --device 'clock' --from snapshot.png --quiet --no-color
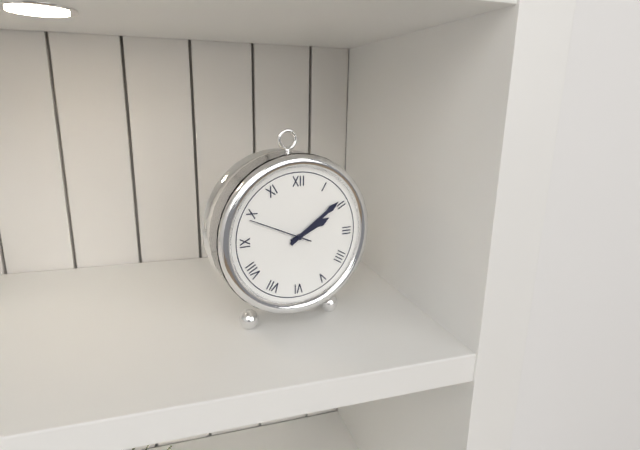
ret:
2:09:49
